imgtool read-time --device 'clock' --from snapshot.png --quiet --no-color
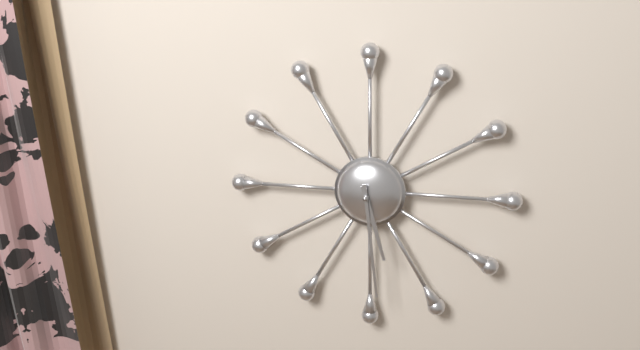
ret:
5:29
